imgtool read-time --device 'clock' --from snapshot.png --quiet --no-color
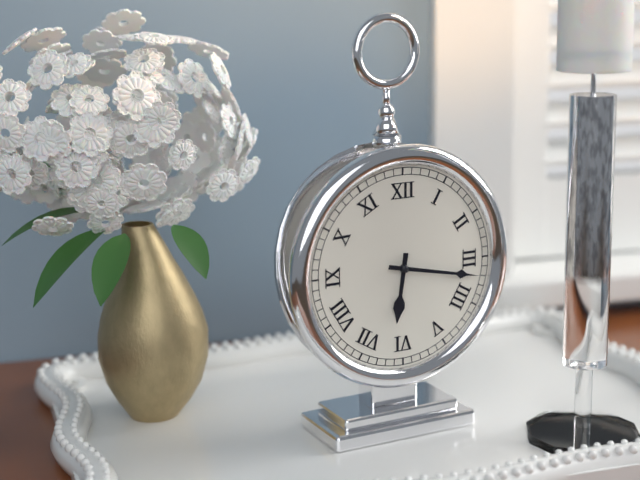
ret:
6:17
